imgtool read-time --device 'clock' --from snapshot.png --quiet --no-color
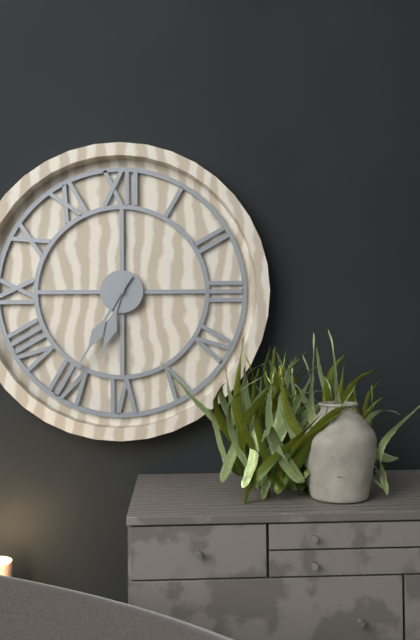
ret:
6:35
